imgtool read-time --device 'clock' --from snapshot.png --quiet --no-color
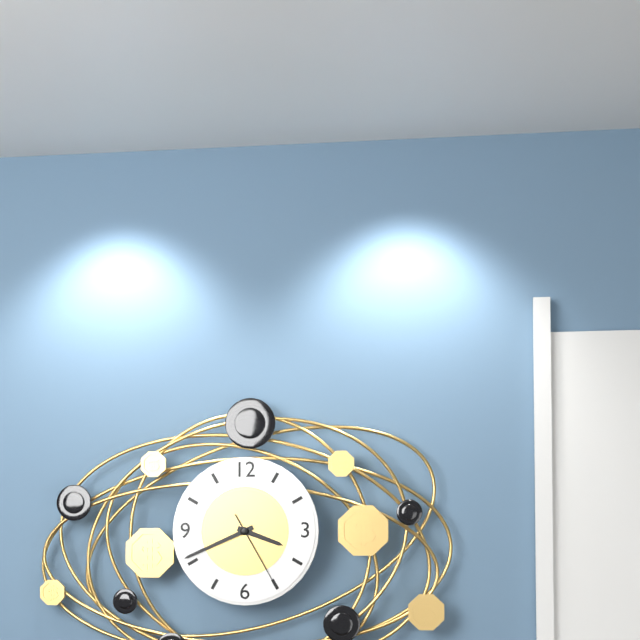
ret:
3:41:25
